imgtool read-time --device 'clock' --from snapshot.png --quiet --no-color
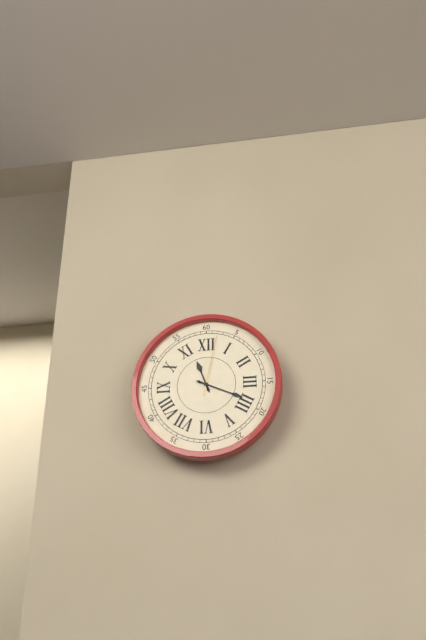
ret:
11:19:02
